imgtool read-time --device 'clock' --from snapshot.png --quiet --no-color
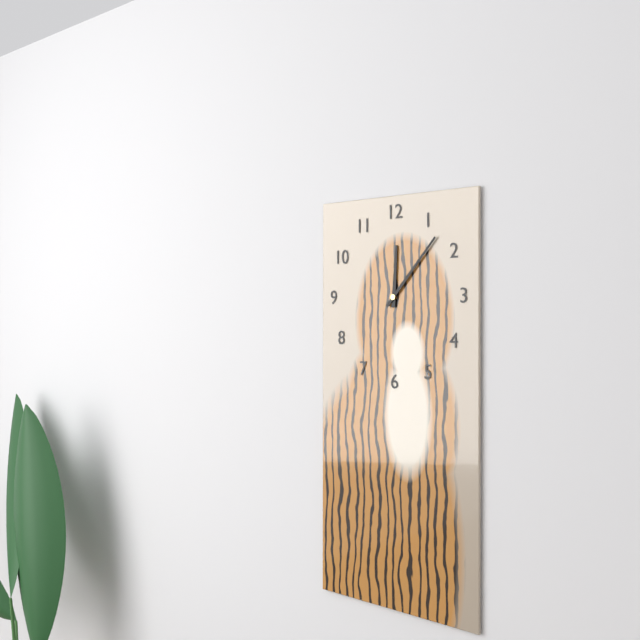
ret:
12:07
